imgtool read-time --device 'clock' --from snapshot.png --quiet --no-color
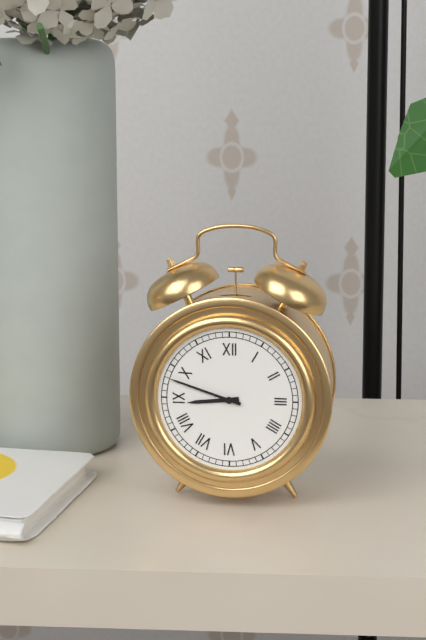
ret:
8:48
